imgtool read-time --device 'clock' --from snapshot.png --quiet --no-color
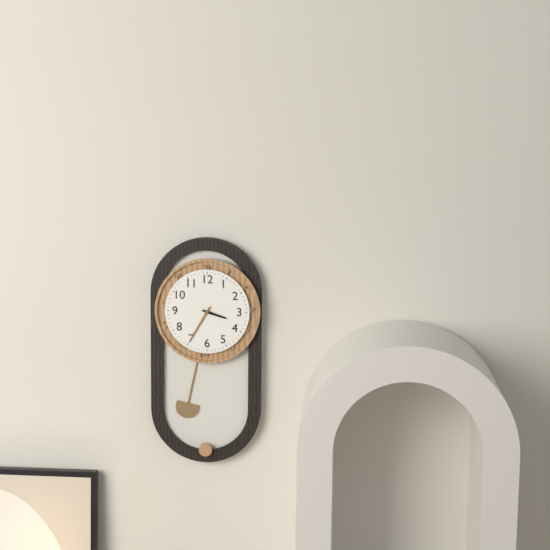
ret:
3:35
